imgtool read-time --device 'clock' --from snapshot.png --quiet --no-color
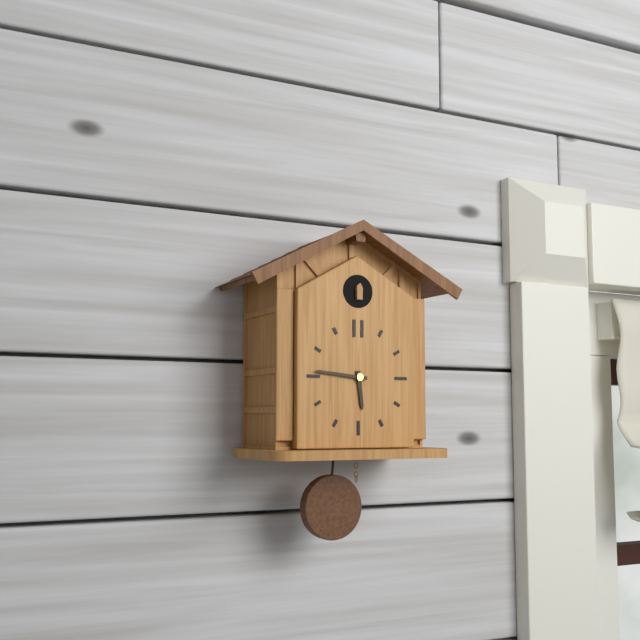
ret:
5:46
